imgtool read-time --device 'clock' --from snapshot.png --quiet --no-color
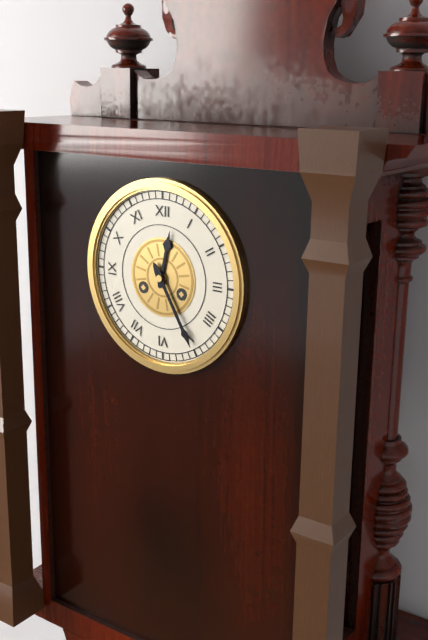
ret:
12:25
